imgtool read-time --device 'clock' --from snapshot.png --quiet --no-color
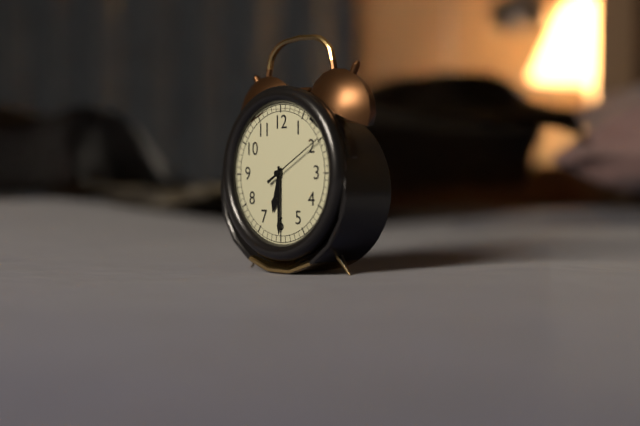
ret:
6:30:10
